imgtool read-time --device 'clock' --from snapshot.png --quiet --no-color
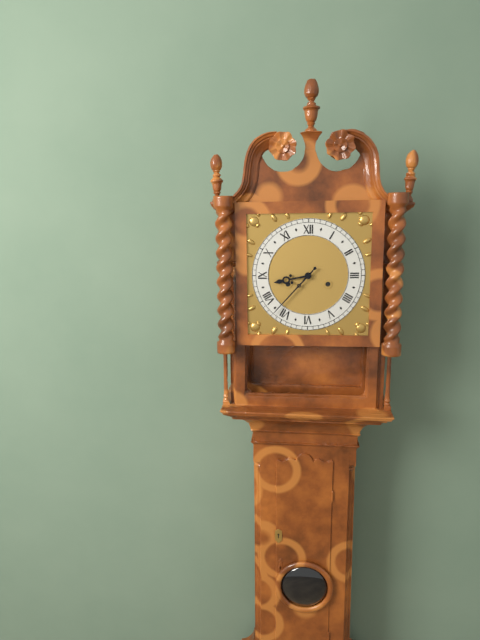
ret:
8:37
